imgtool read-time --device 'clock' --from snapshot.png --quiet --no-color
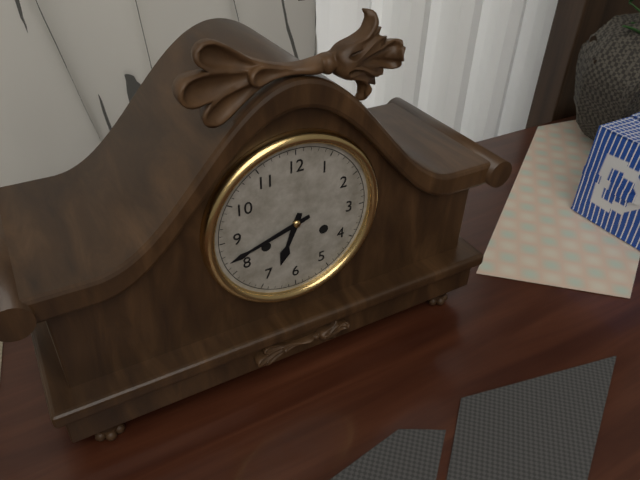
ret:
6:42
